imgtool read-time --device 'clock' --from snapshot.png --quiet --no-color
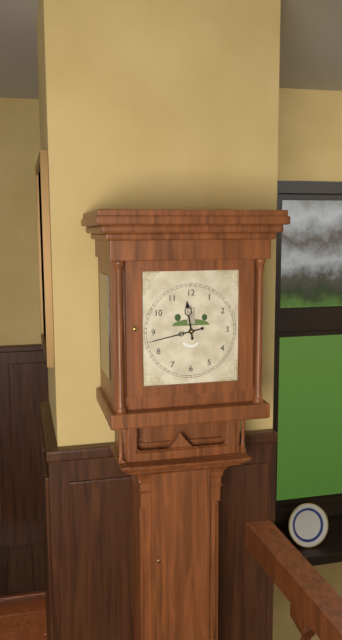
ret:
11:43
